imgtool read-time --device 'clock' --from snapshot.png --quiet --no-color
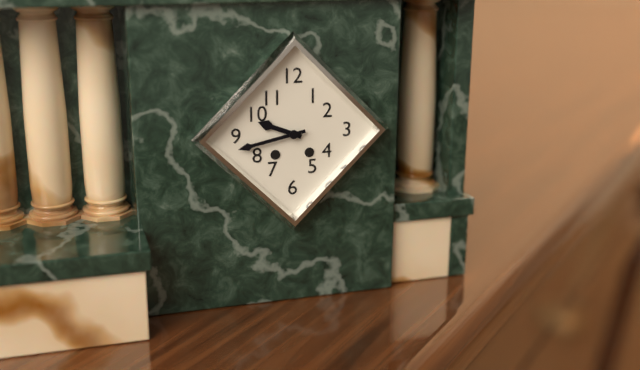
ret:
9:43
